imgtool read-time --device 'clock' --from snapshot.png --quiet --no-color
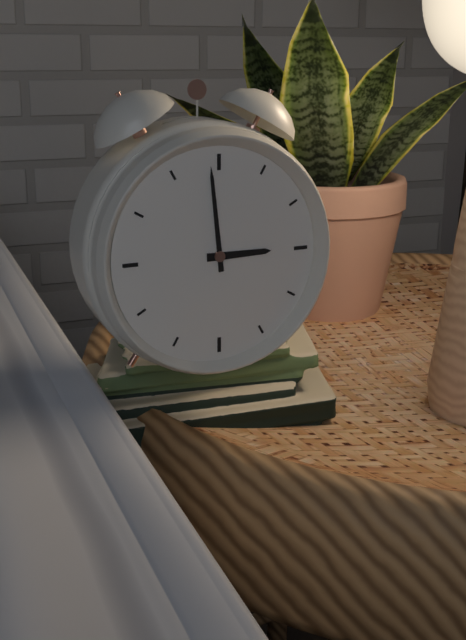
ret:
2:59
